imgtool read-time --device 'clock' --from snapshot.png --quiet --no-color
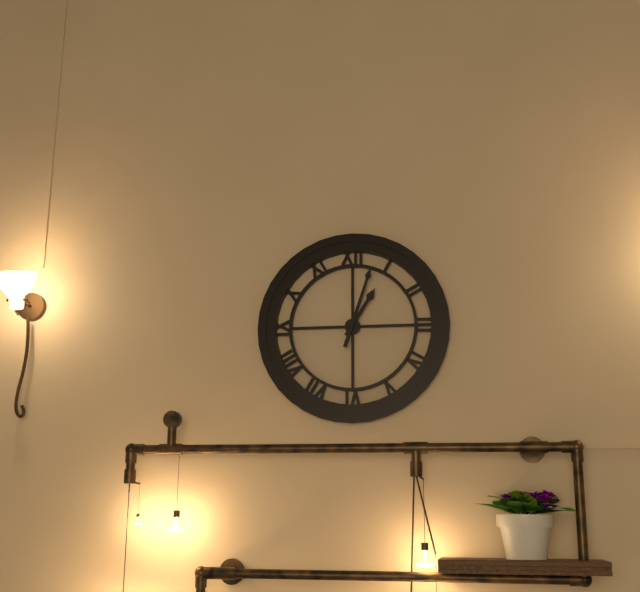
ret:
1:03
